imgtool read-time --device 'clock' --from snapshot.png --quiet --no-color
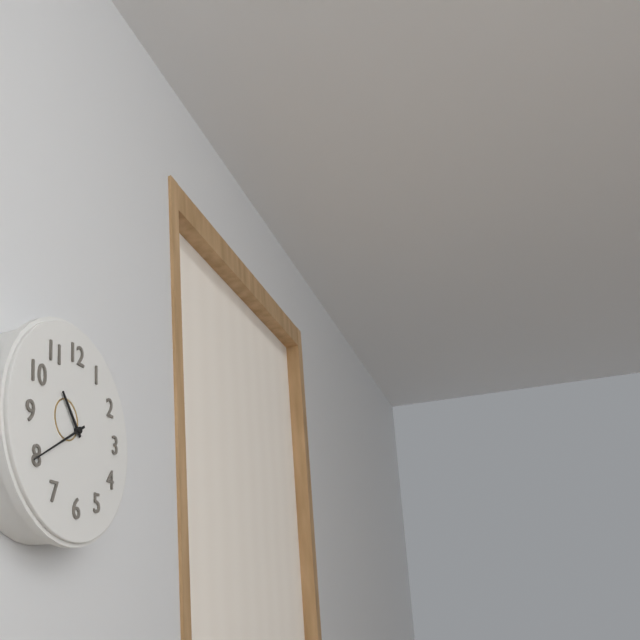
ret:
10:40
